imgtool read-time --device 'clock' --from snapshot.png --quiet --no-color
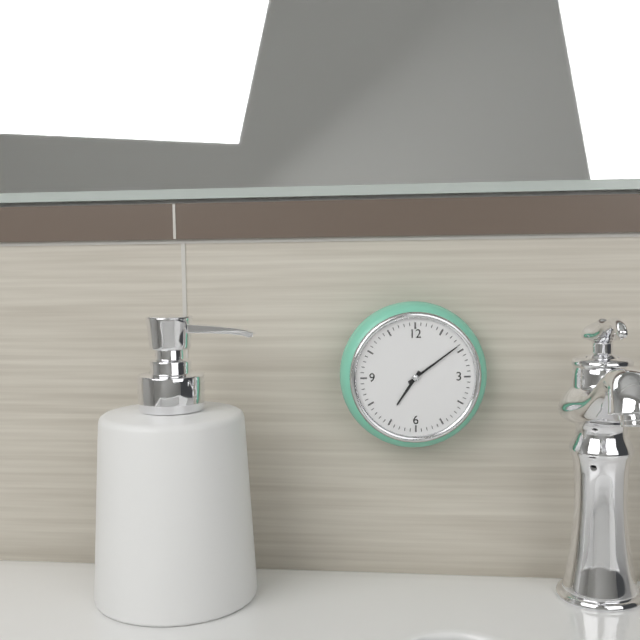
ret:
7:09
